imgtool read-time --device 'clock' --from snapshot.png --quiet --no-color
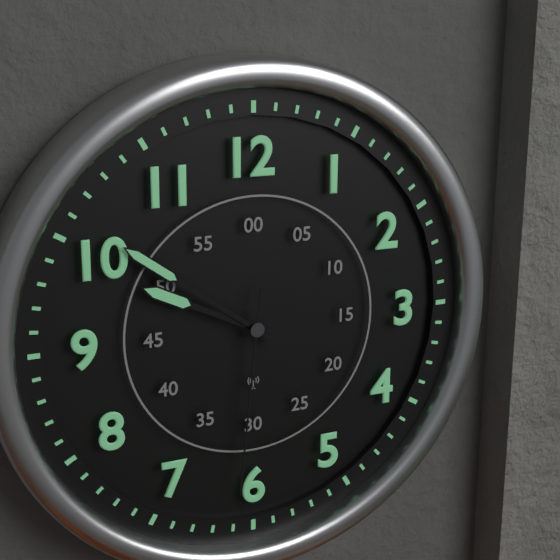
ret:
9:51:31
